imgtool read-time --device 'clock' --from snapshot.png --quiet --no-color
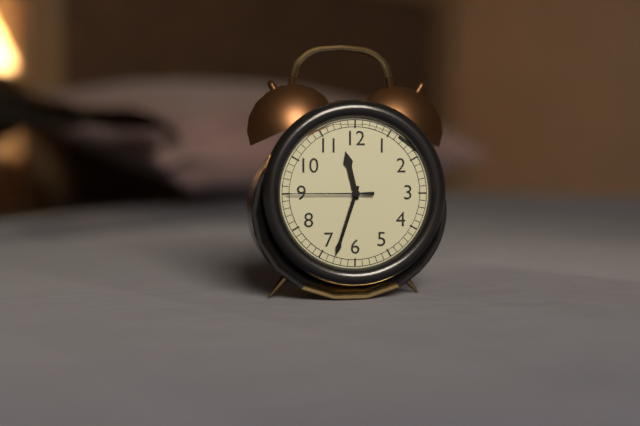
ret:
11:33:45
